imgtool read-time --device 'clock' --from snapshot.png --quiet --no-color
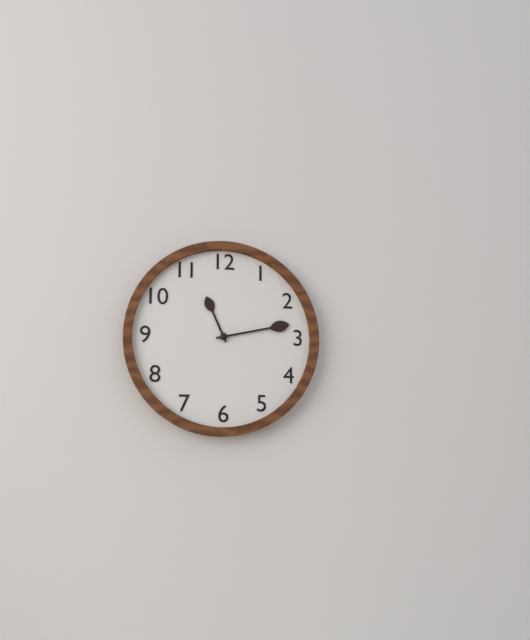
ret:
11:13
